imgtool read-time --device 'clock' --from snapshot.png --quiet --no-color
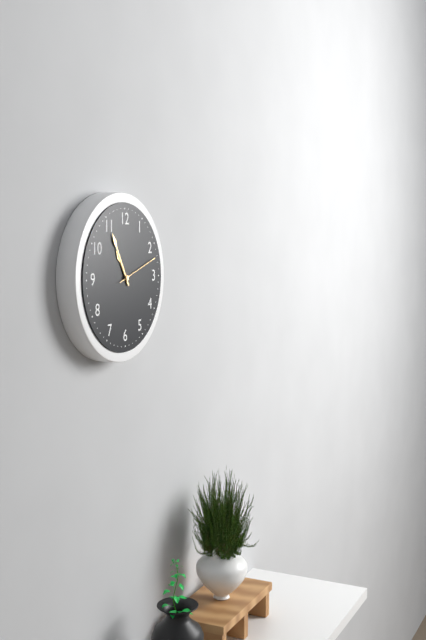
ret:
10:55
